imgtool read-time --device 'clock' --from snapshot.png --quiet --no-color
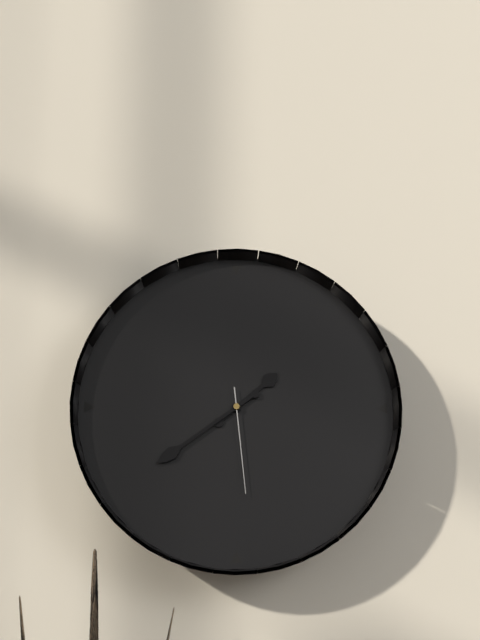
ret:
1:39:29
